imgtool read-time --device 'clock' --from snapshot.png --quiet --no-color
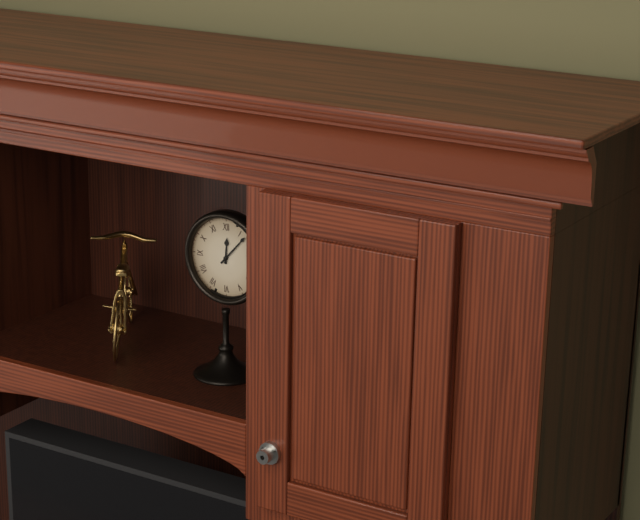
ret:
12:07
